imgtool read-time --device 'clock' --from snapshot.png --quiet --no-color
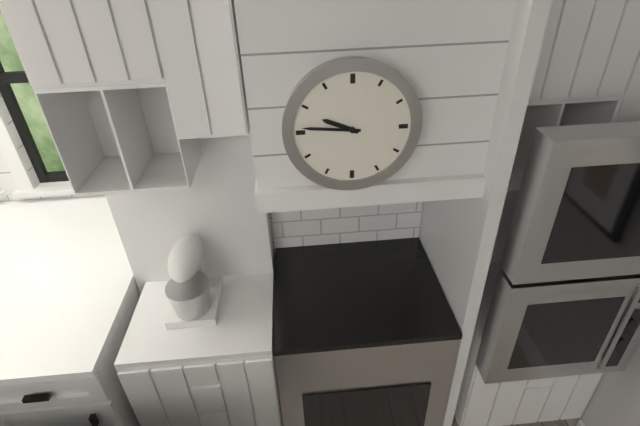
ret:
9:46
